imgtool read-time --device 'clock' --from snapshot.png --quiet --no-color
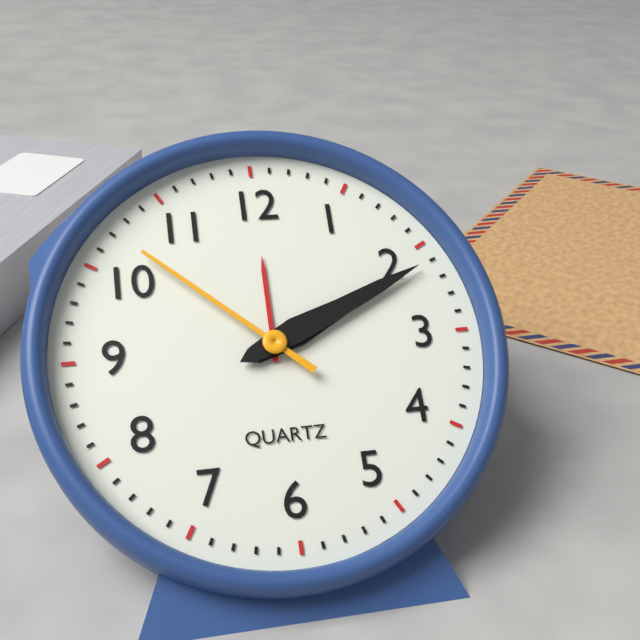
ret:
2:11:52
